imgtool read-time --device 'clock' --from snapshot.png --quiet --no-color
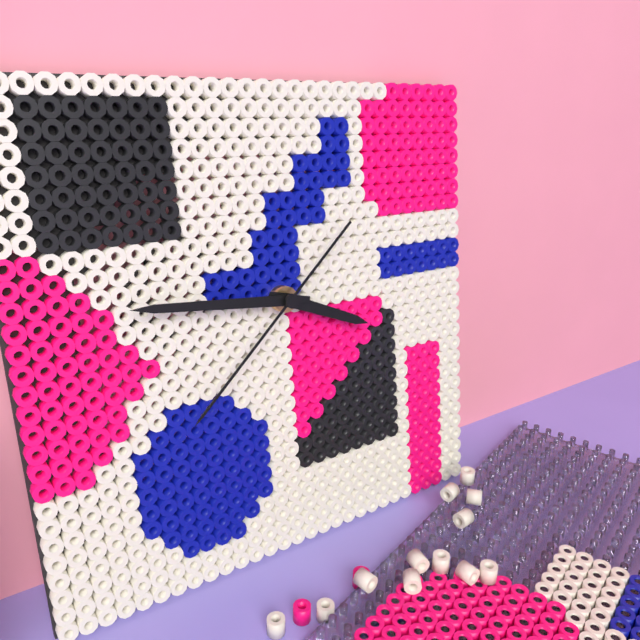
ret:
3:46:38
